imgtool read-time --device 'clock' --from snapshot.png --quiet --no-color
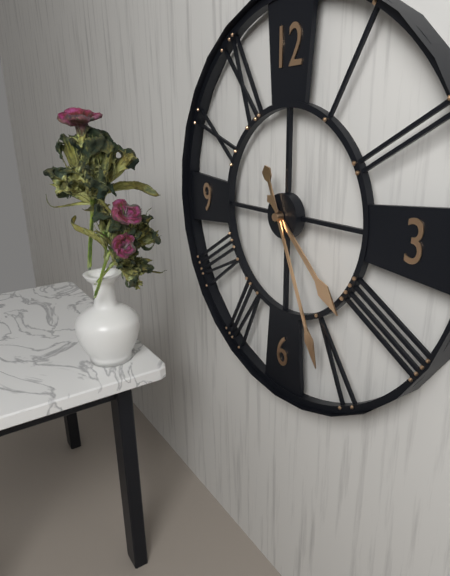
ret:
4:26
